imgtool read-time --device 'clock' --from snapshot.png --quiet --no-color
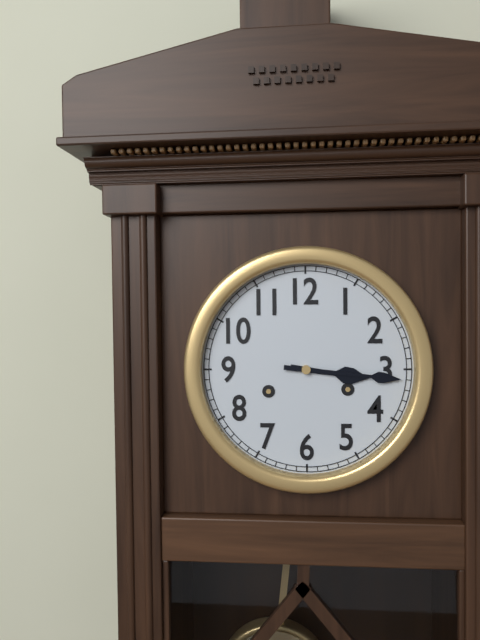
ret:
3:16
